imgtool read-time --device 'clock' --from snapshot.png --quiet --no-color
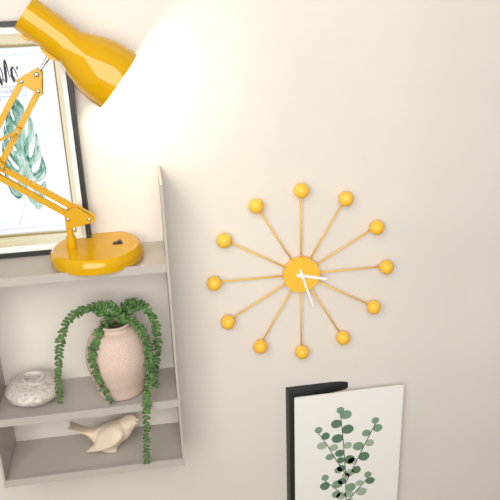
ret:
3:27
